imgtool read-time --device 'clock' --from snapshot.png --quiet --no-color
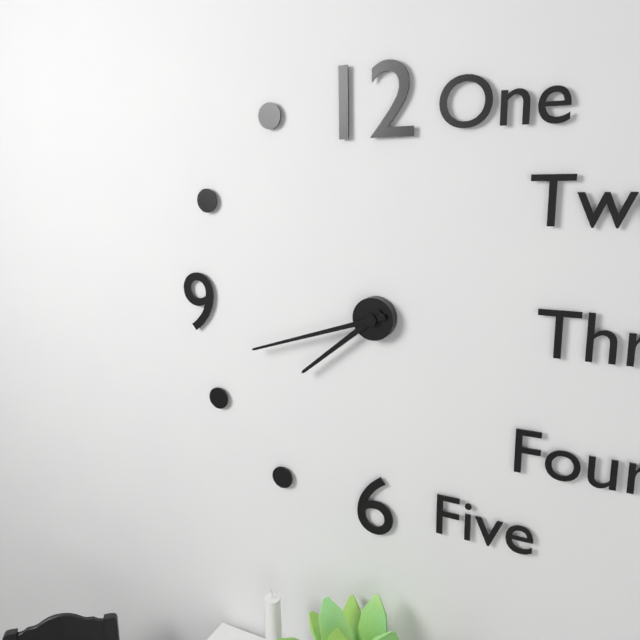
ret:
7:42
